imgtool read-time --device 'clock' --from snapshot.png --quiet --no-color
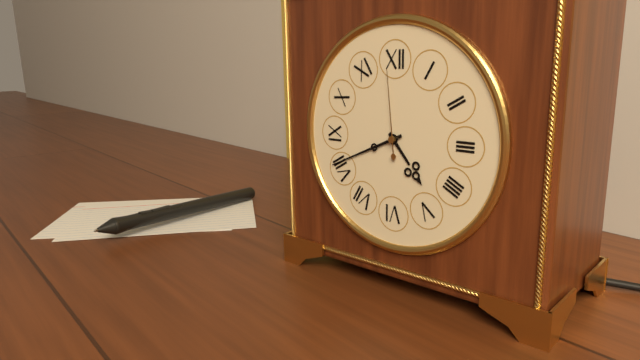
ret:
4:41:59
